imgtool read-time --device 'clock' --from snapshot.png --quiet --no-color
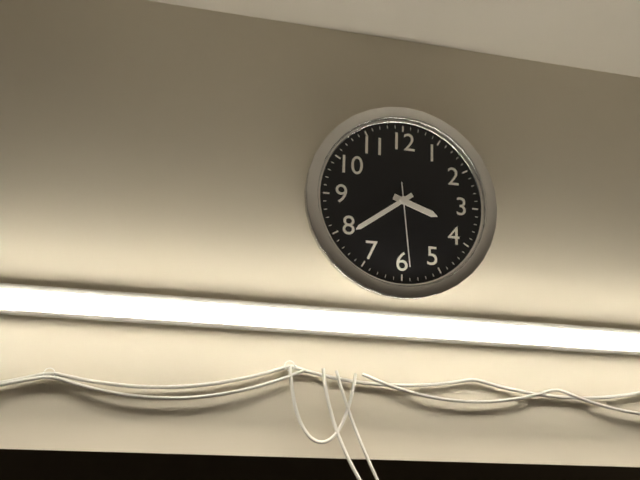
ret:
3:39:29
